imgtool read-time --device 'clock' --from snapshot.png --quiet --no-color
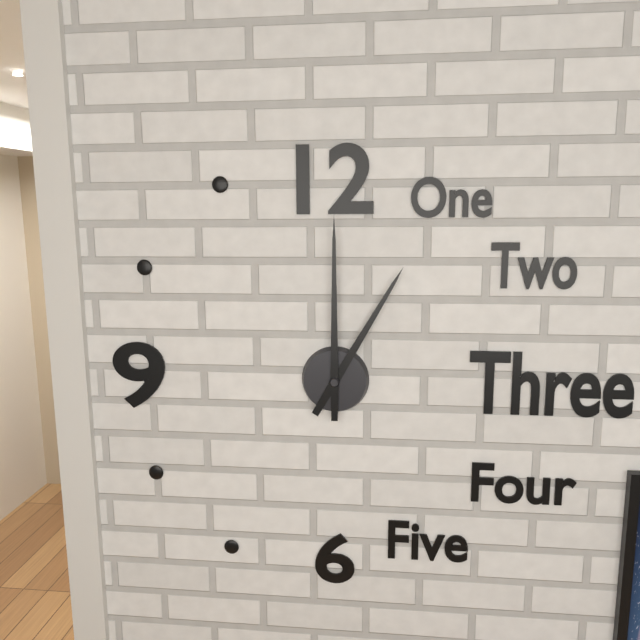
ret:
1:00
